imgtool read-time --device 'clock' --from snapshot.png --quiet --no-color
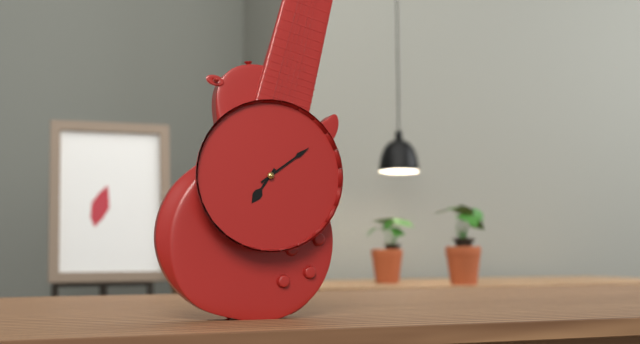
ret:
7:09
